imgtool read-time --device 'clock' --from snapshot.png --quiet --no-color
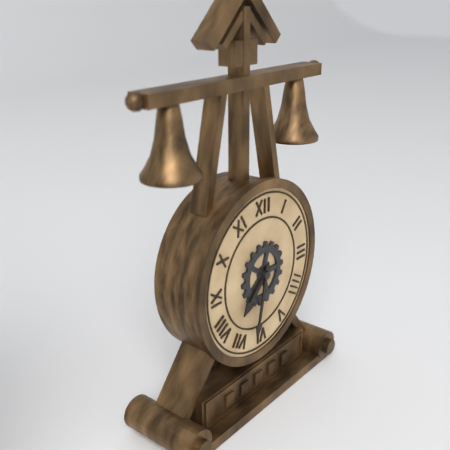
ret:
7:32
